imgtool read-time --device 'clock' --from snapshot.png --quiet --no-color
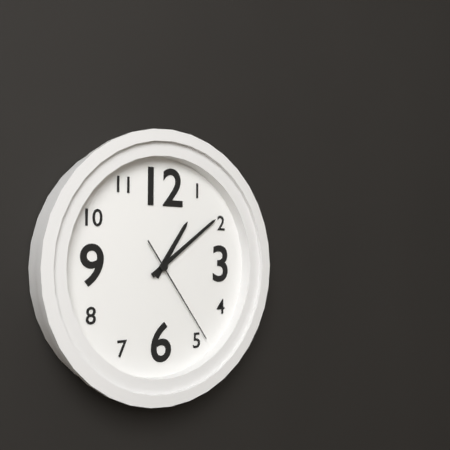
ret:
1:09:24
